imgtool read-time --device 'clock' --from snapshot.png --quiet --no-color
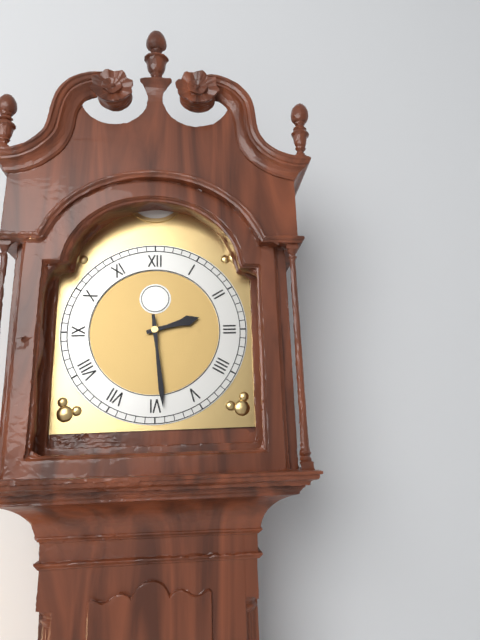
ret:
2:29
